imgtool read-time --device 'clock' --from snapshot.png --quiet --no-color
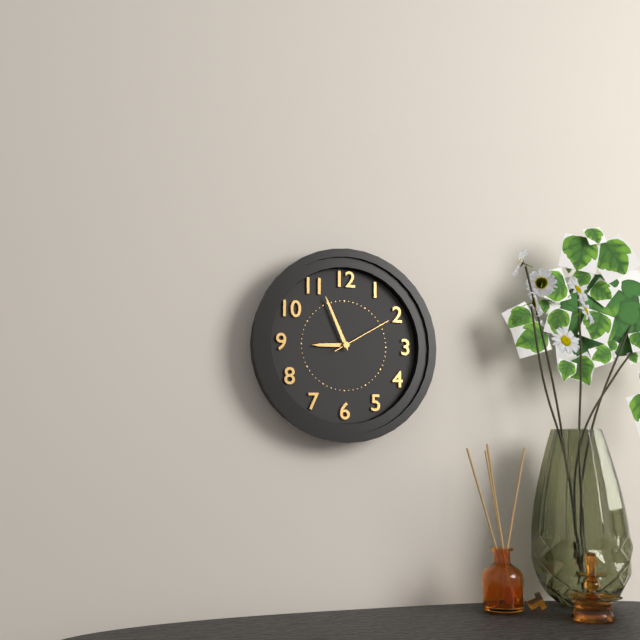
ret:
8:56:10
